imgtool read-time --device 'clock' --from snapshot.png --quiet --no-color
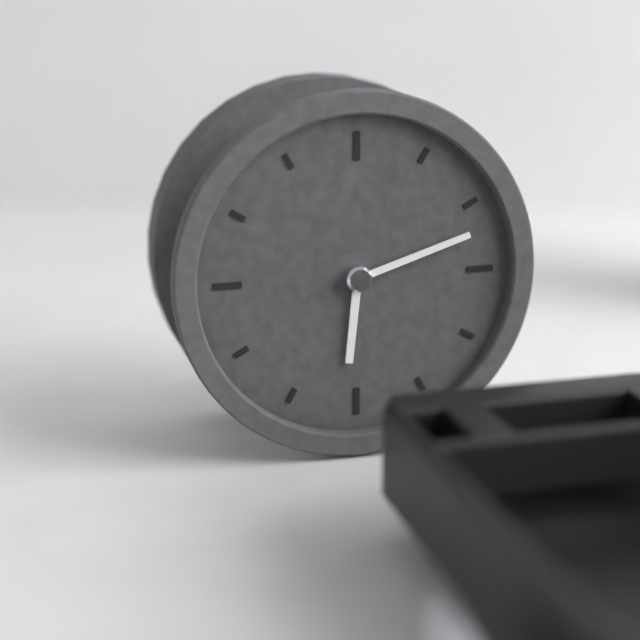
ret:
6:12
